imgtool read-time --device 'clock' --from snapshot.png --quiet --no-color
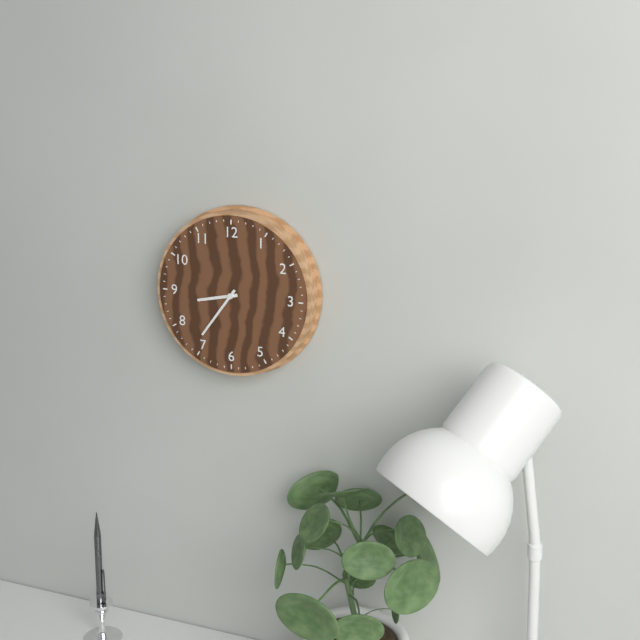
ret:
8:36
